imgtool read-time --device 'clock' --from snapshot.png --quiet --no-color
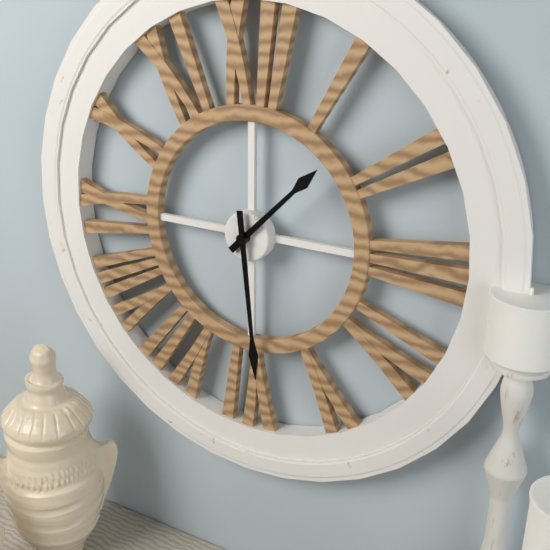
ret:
1:29
